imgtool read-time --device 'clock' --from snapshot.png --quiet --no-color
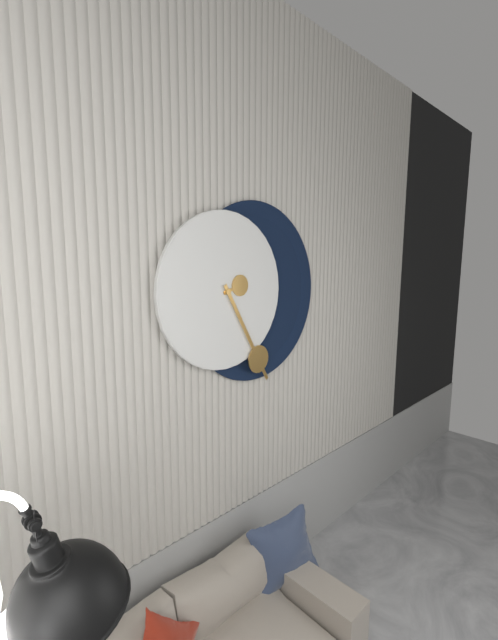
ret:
2:25
